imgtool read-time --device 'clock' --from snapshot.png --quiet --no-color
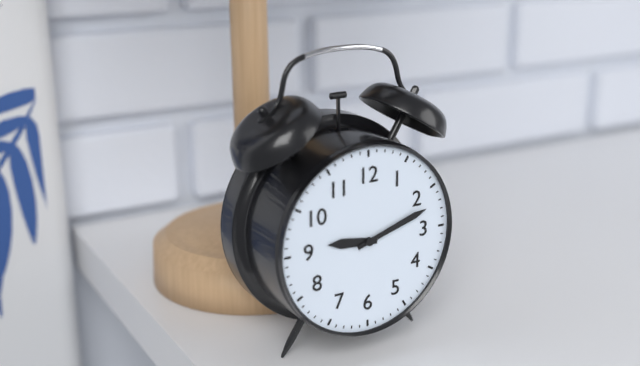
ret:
9:12
